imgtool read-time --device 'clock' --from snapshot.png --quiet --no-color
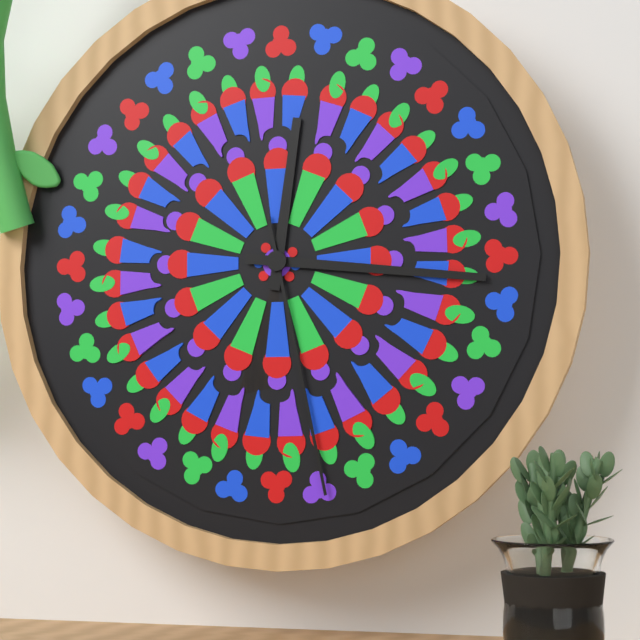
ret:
12:16:28
